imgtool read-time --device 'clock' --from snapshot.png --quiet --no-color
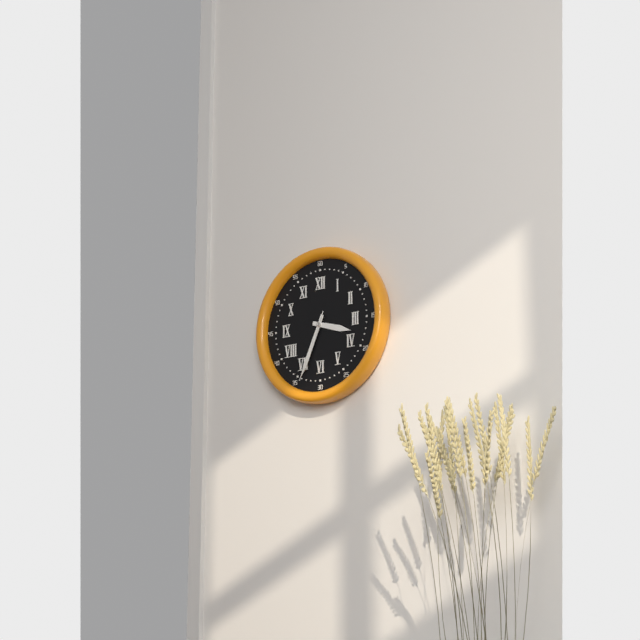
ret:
3:34:34
